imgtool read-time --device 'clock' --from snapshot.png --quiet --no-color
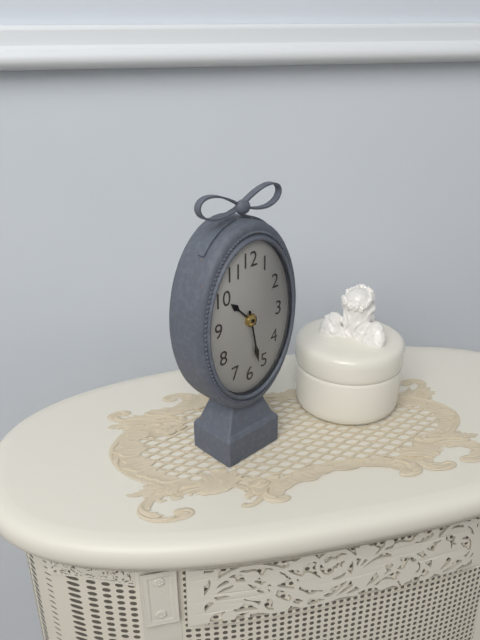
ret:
10:28
